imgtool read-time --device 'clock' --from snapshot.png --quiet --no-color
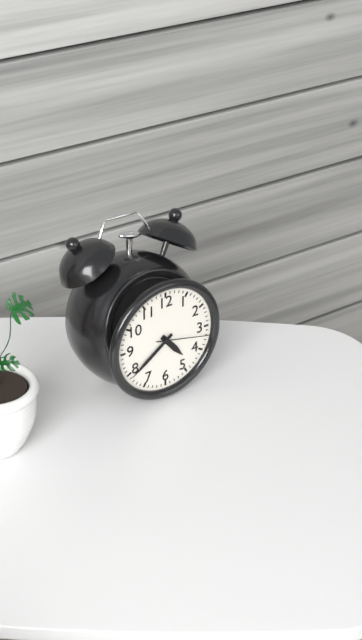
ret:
4:39:17
